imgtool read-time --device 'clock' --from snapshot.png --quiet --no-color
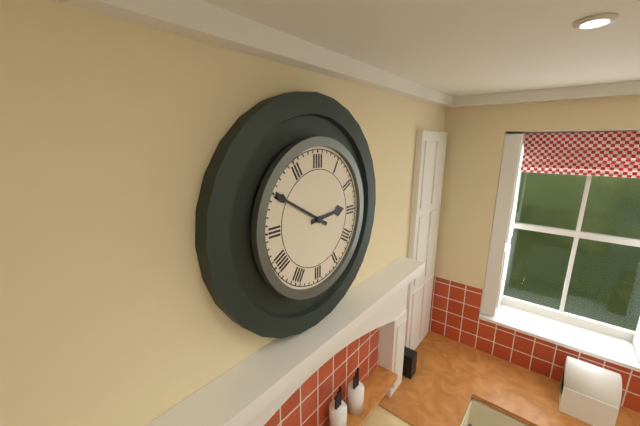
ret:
2:50
